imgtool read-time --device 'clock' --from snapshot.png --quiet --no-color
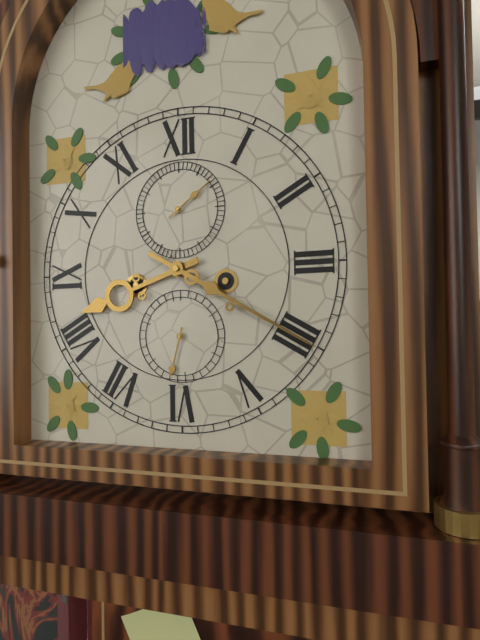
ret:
8:20:09
